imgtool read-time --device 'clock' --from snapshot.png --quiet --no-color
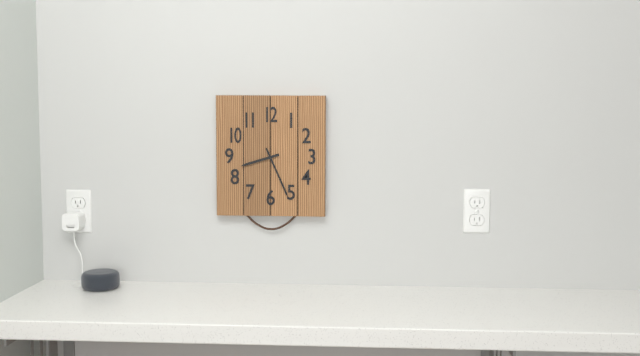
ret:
8:26
